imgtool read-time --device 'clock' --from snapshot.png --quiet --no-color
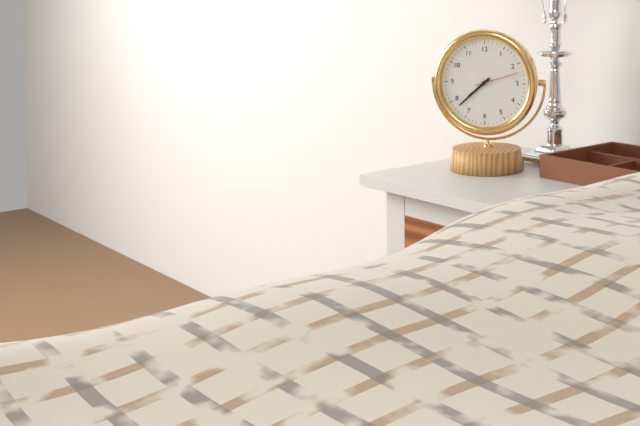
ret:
7:38
